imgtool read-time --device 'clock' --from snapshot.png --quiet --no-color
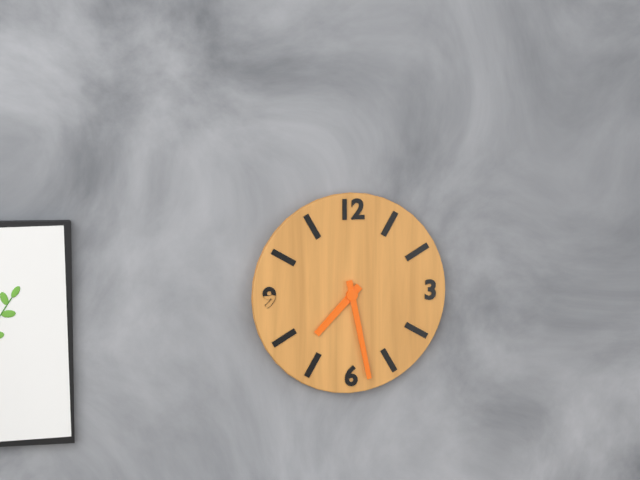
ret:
7:28
